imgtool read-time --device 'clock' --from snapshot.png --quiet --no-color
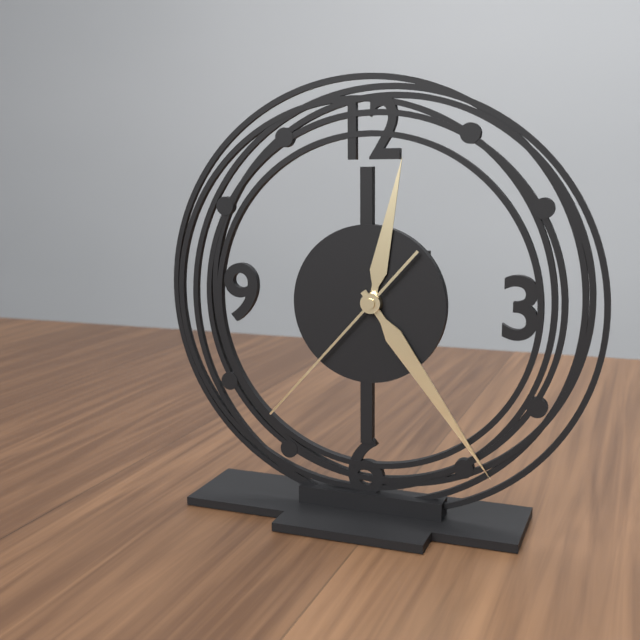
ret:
12:24:37
